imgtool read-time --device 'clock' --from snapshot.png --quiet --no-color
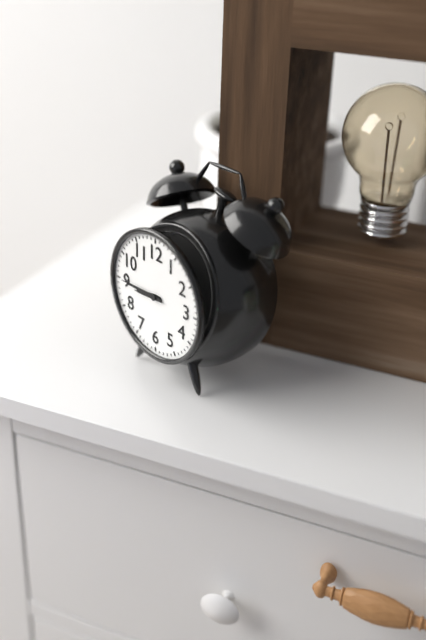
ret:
8:45
